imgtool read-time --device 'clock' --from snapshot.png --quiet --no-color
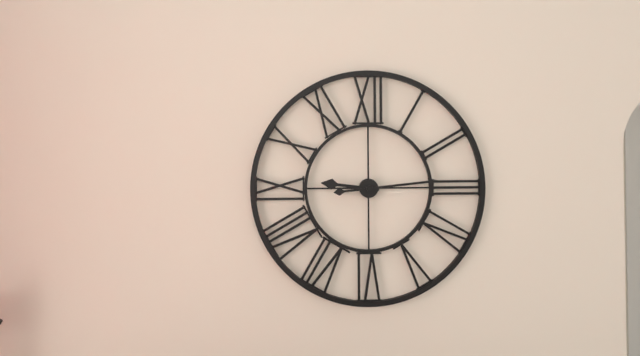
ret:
9:14
